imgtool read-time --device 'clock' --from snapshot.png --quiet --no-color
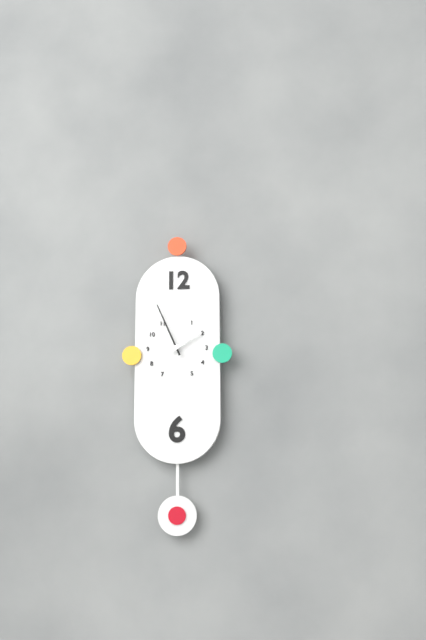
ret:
1:56
